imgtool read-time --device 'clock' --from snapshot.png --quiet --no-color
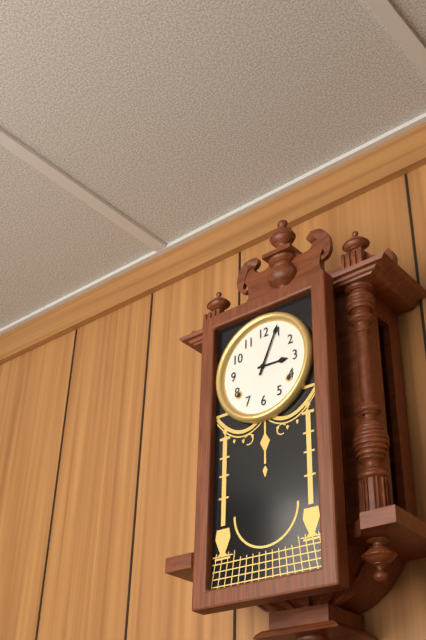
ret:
3:04
